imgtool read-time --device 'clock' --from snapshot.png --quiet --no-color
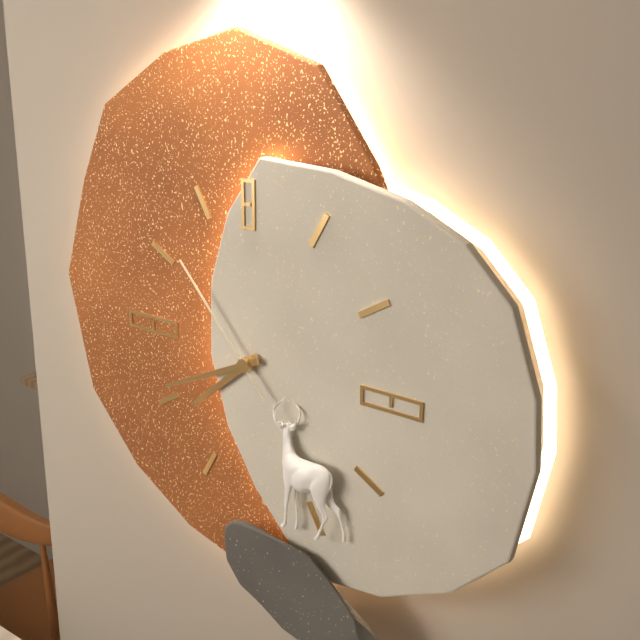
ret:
7:41:53
